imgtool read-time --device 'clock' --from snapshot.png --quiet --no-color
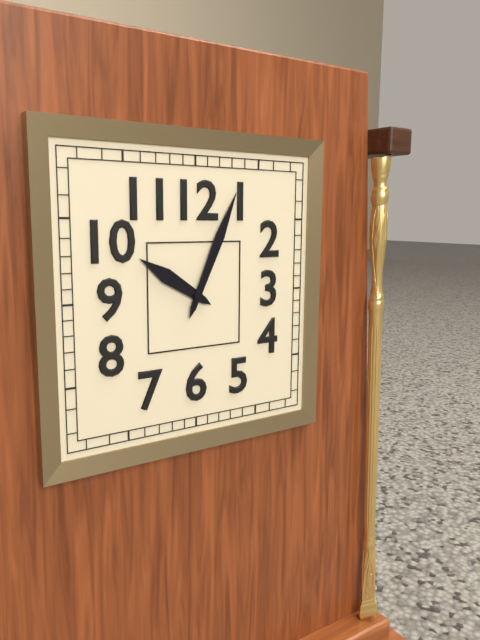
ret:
10:04
